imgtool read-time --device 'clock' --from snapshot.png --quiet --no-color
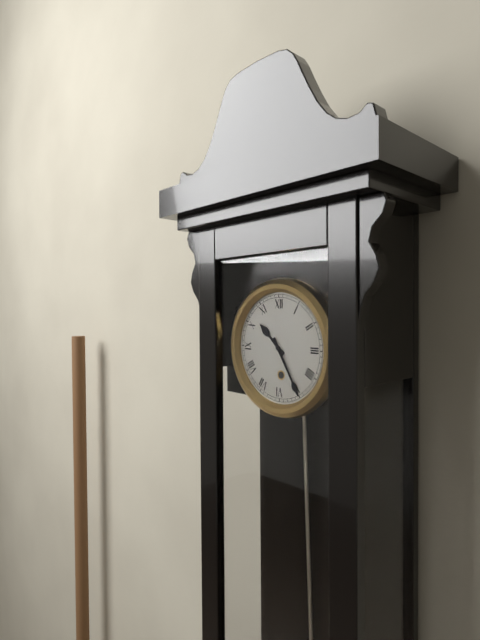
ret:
10:25
